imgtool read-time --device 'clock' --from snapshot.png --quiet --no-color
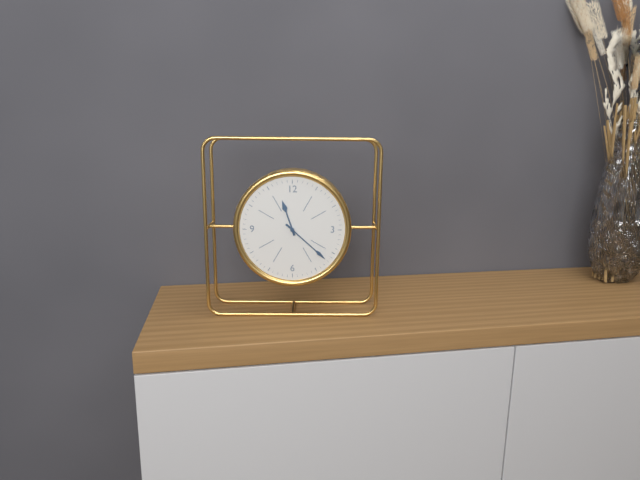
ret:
11:22
